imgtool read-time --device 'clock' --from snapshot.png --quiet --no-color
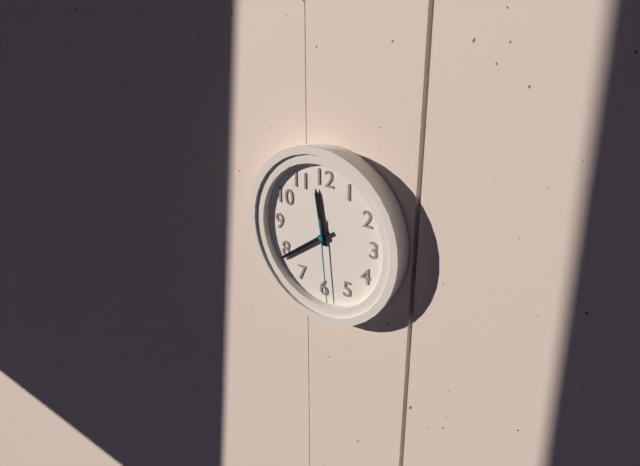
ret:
11:39:29
